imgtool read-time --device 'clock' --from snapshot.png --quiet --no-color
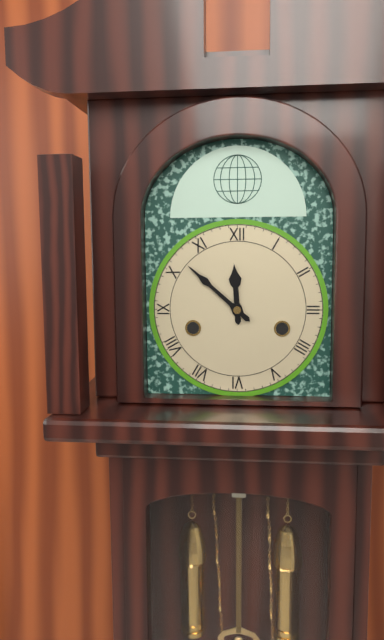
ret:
11:52
